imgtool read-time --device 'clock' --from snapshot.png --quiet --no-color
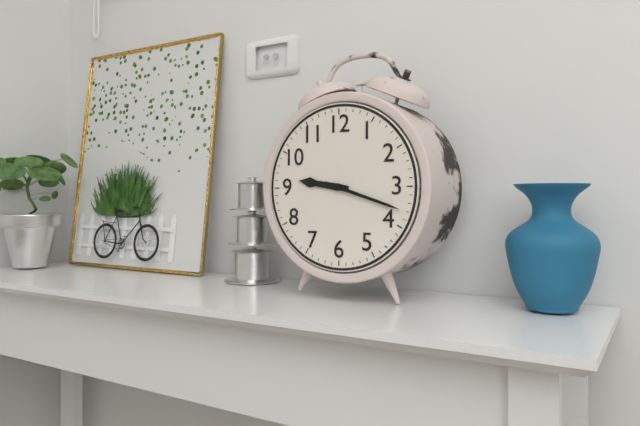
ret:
9:18
